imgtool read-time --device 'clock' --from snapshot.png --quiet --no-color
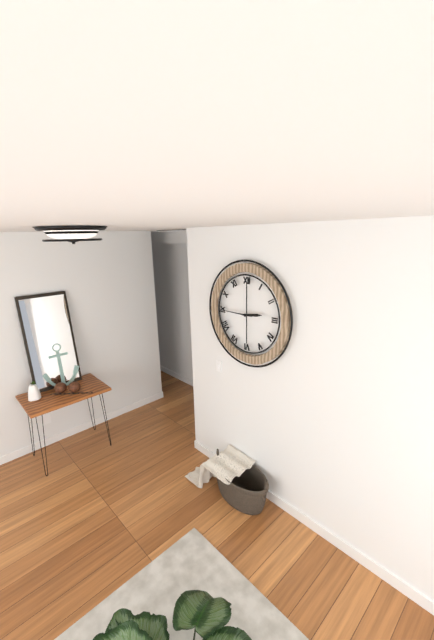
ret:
2:45
